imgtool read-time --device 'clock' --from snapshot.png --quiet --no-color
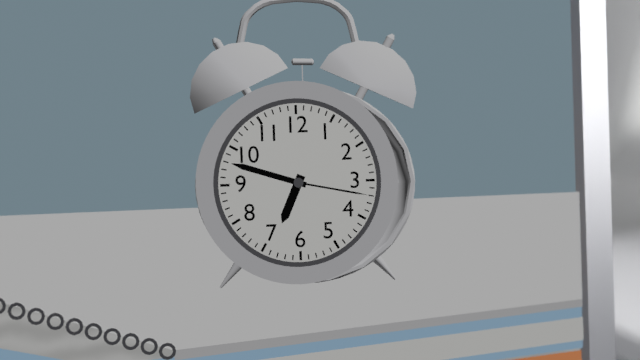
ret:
6:48:17
